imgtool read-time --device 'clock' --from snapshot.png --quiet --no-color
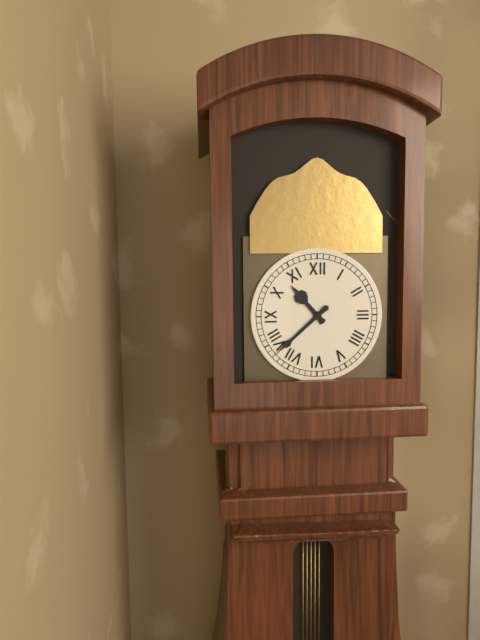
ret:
10:38
